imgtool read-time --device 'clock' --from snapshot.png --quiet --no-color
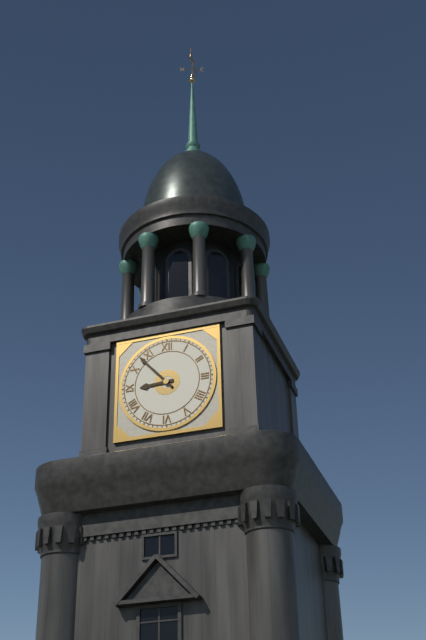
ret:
8:53
